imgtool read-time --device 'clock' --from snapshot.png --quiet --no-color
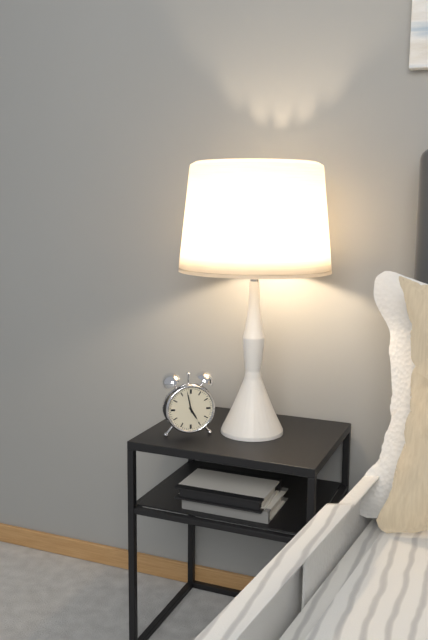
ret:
4:58
